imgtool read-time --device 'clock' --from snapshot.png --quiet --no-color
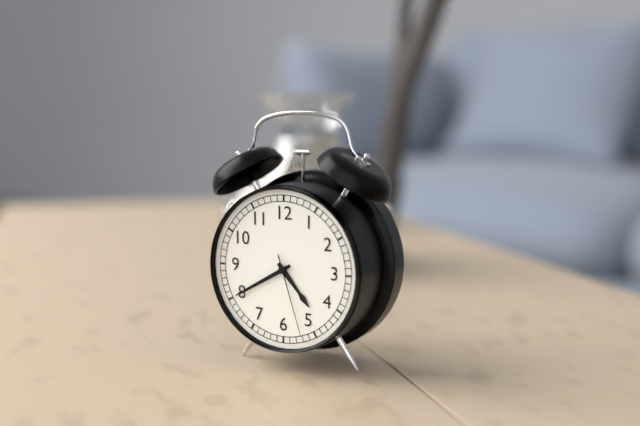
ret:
4:40:27
